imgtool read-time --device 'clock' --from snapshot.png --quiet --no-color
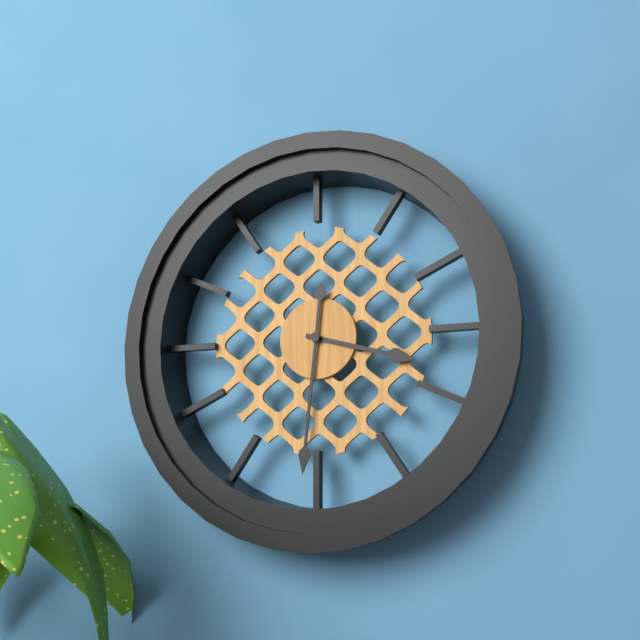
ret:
3:31
